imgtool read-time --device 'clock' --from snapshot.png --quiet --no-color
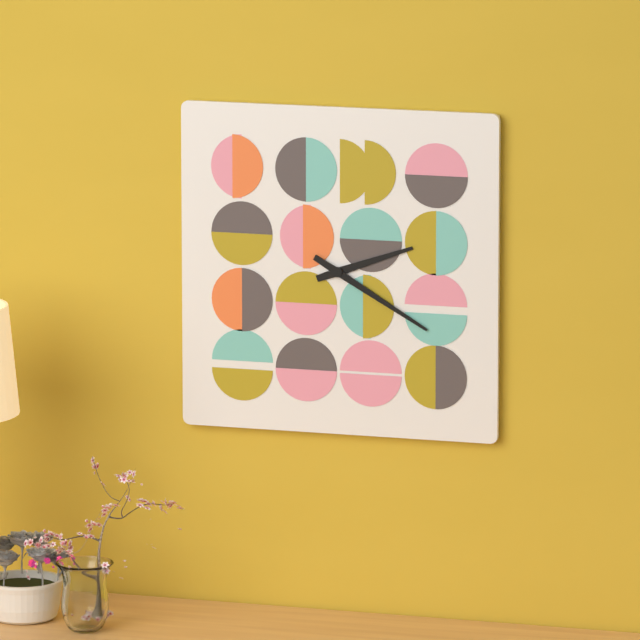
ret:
2:20
